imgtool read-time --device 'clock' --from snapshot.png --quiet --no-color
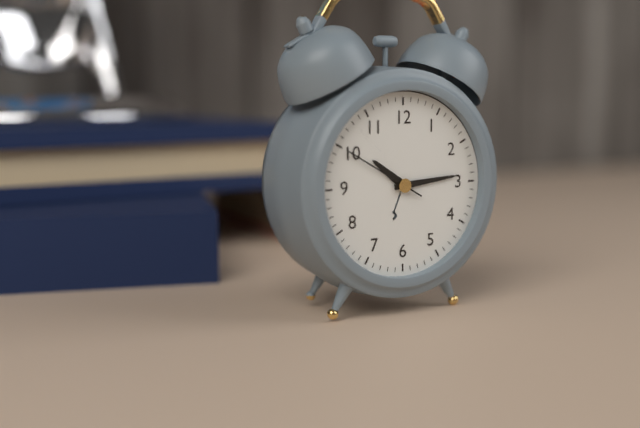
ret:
10:14:50
